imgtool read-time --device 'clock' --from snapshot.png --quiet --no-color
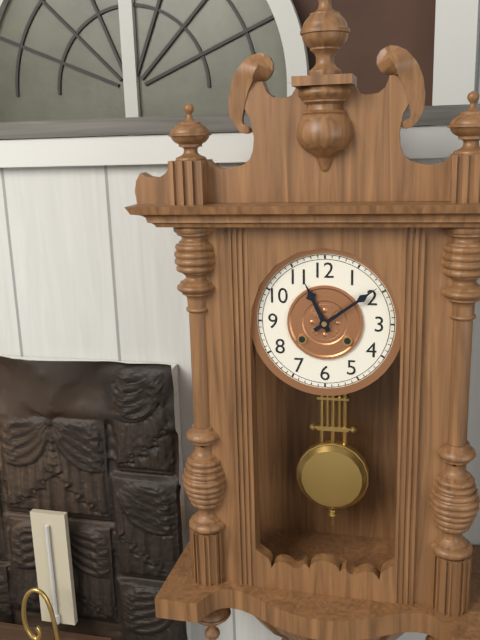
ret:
11:09
